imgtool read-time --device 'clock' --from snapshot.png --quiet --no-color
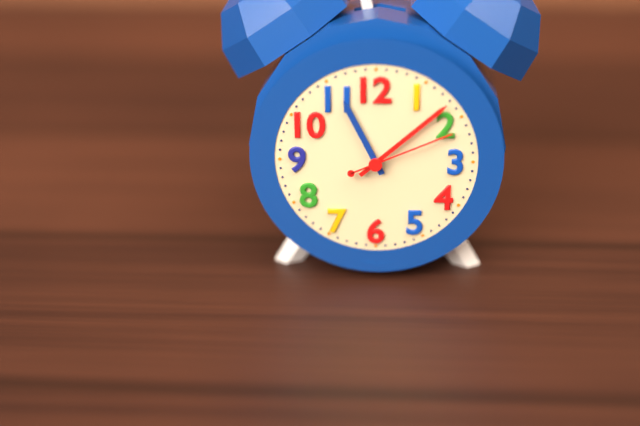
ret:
11:08:11
